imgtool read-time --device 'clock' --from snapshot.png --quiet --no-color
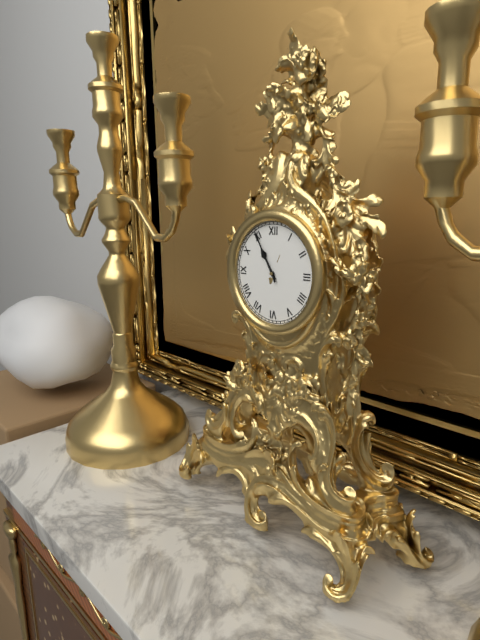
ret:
10:55
